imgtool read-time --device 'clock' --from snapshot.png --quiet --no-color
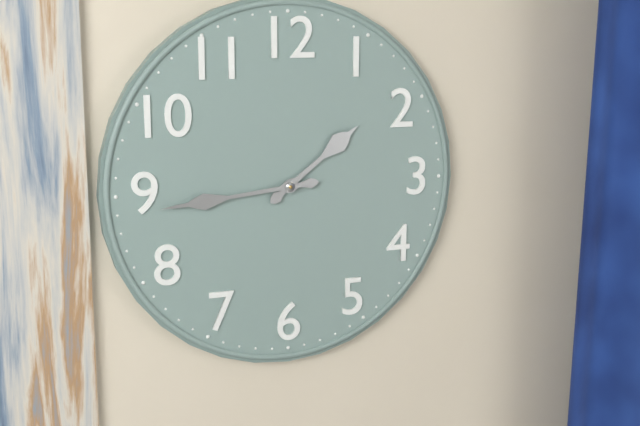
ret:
1:44
